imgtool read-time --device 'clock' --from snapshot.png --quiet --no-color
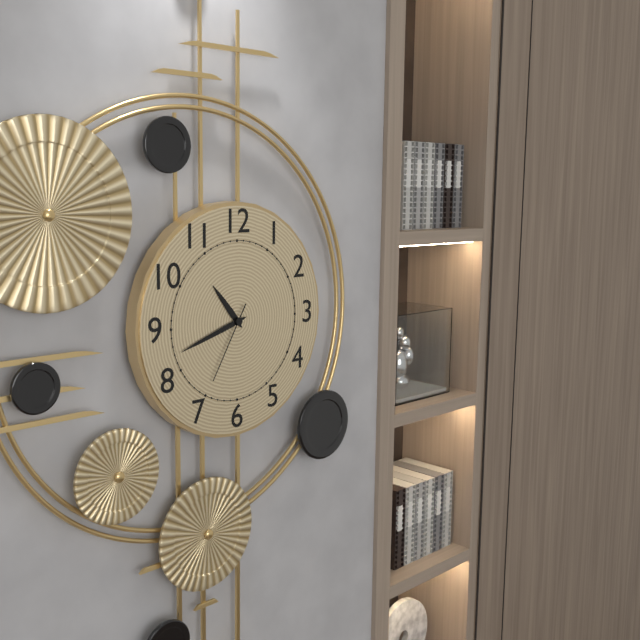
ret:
10:42:35
